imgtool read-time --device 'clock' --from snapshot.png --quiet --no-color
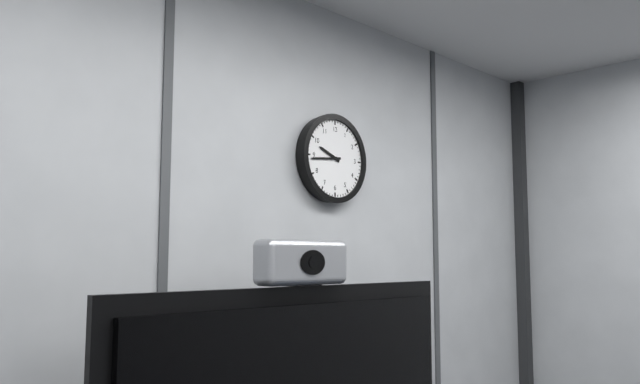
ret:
9:44
